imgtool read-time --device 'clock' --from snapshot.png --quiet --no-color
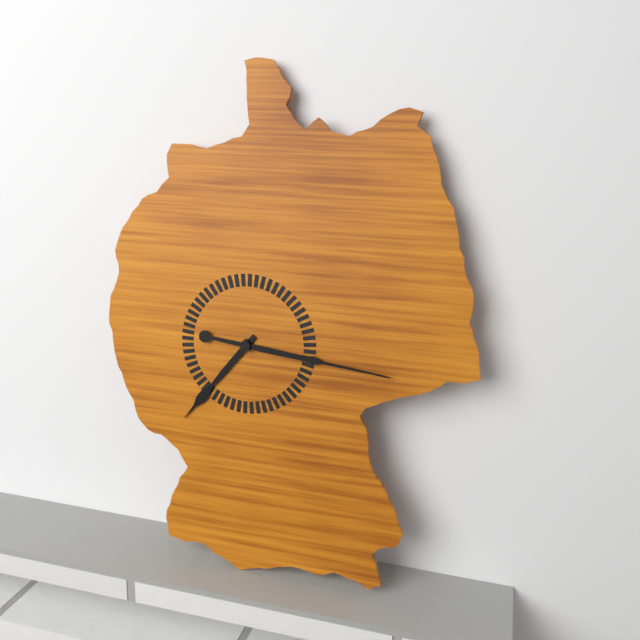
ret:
7:16
